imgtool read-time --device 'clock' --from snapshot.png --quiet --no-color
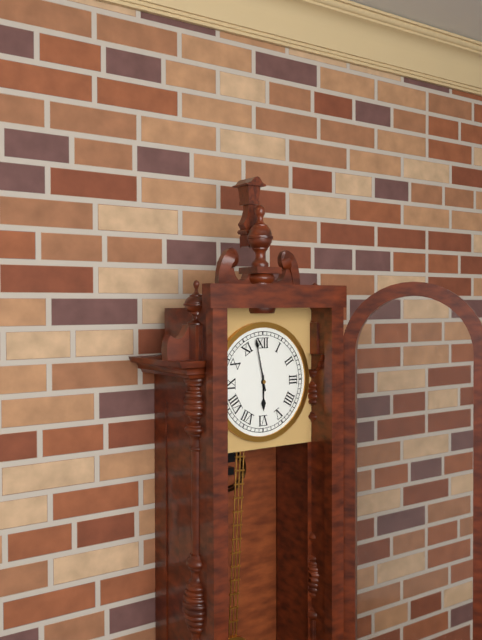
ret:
5:58
